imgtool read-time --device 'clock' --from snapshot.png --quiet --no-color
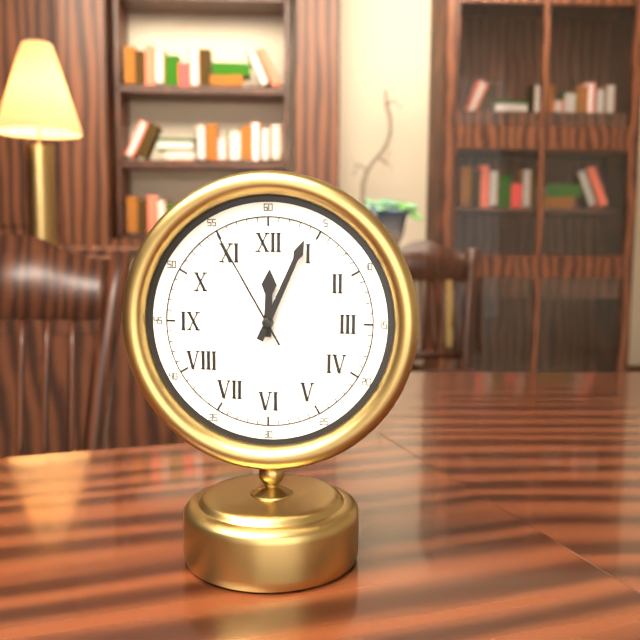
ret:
12:04:55
